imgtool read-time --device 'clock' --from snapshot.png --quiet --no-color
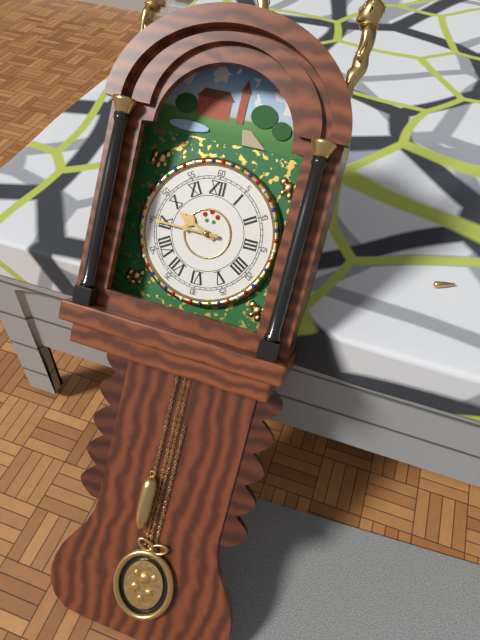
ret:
9:45
